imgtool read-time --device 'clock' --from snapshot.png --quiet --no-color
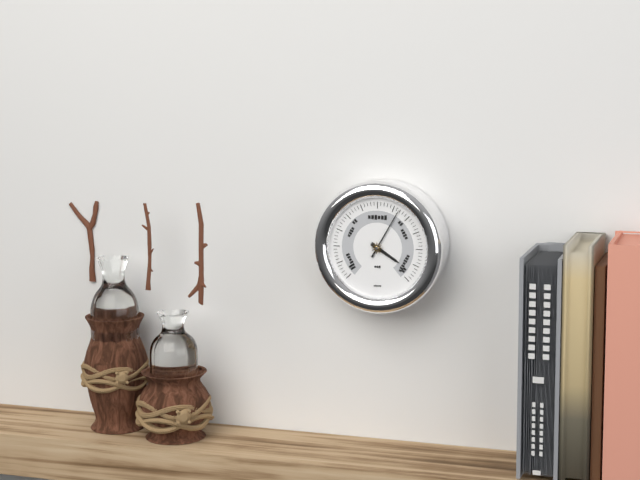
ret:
4:05
